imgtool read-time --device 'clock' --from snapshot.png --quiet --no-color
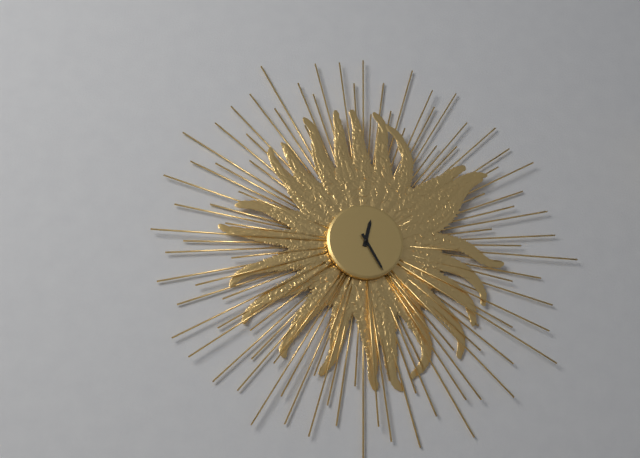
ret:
12:25
